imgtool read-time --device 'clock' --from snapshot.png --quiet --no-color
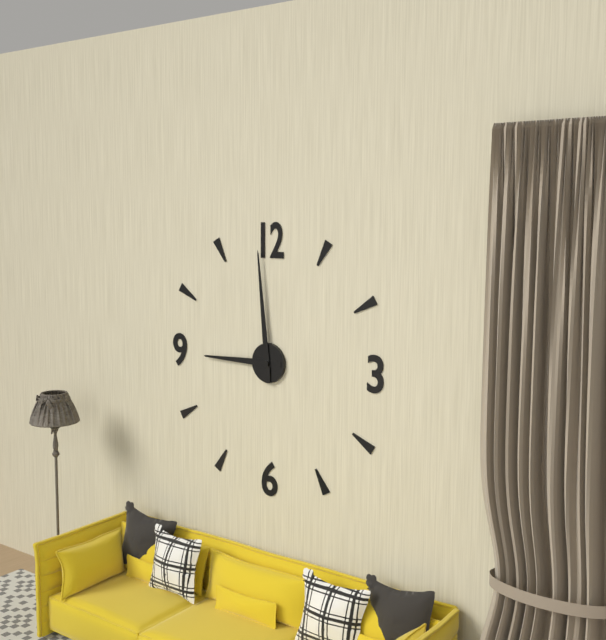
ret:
8:59
